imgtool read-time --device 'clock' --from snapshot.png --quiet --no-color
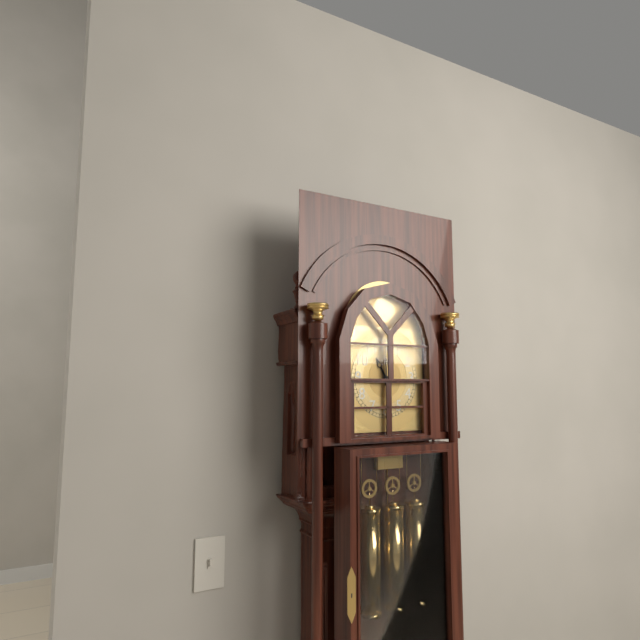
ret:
11:00
